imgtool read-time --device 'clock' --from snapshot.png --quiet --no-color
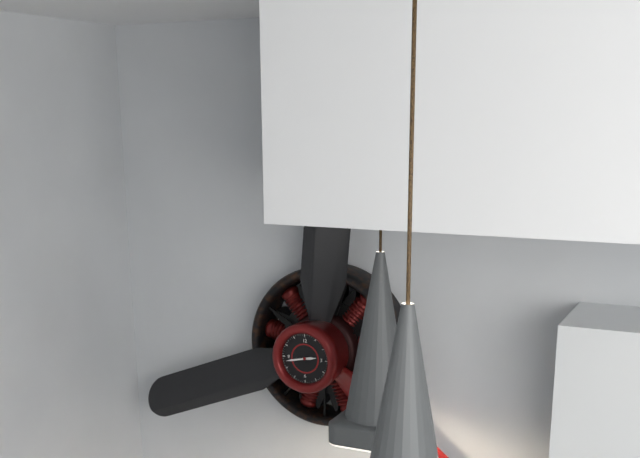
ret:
2:43
